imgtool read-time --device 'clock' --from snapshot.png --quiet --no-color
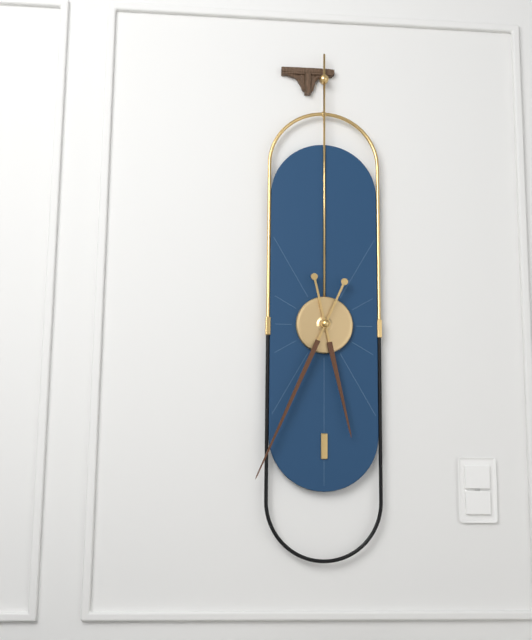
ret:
5:34
